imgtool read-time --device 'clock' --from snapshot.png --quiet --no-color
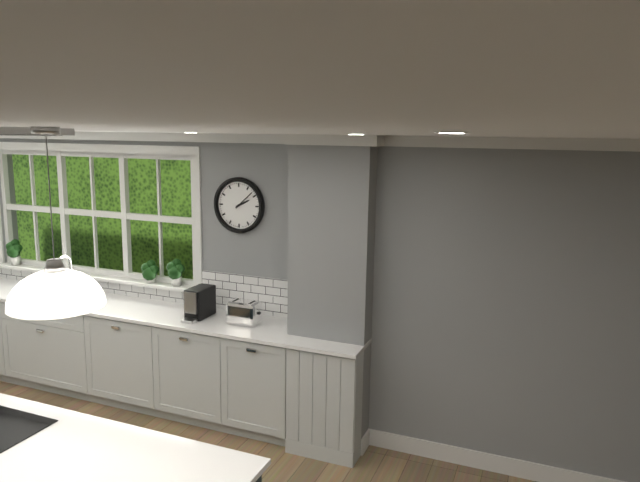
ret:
2:08
